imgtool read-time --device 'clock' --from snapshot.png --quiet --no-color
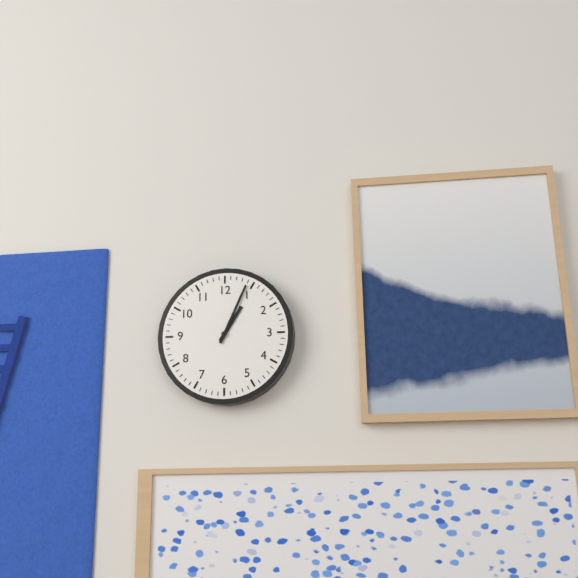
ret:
1:04
